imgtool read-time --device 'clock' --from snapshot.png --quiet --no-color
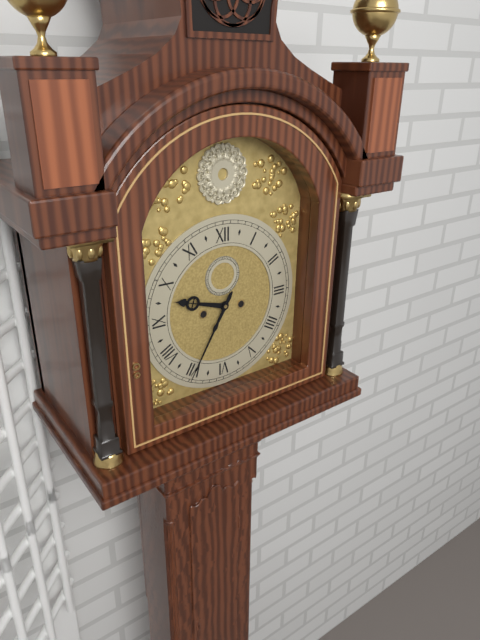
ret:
9:35
